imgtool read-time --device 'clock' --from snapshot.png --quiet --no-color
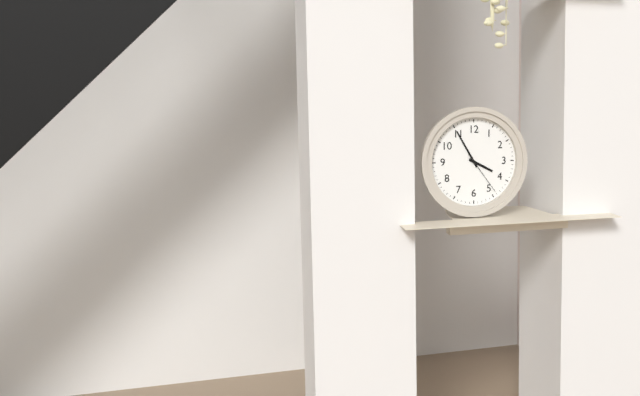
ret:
3:55
